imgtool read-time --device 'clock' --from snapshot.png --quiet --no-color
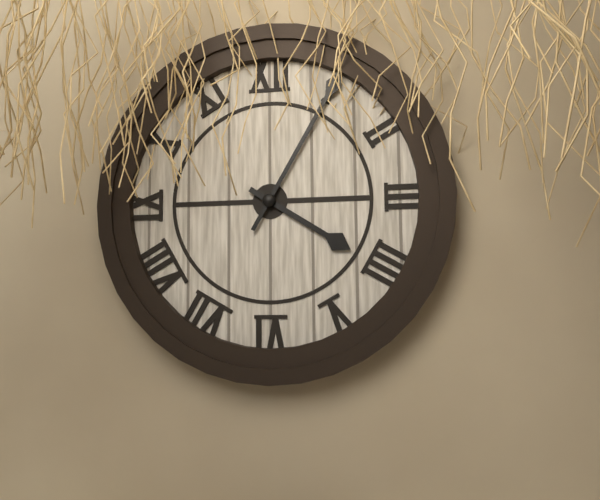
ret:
4:05
